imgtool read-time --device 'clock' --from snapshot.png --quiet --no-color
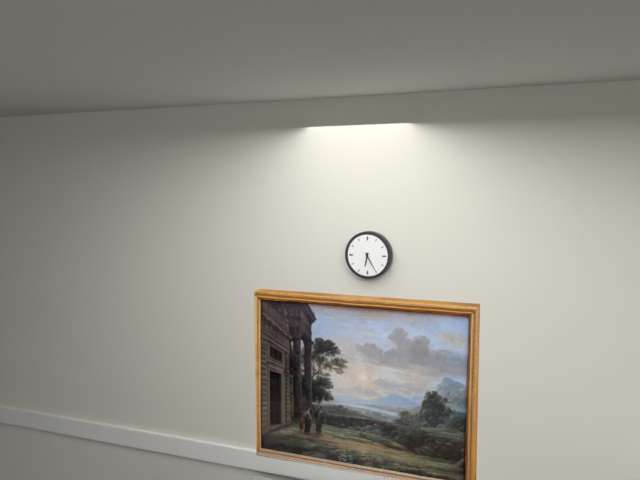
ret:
6:25
